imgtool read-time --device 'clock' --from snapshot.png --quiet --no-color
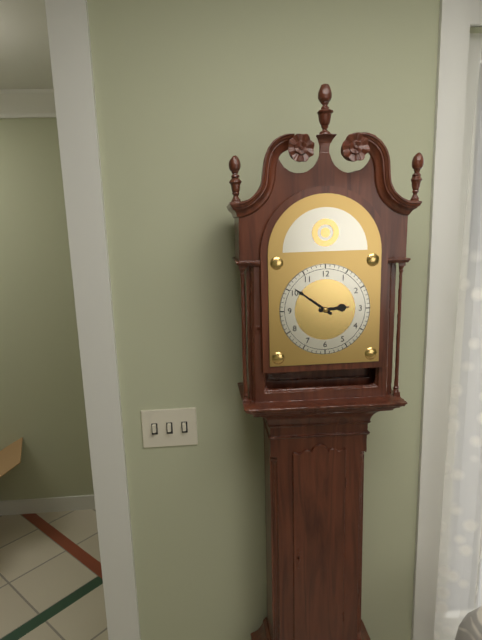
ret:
2:51
